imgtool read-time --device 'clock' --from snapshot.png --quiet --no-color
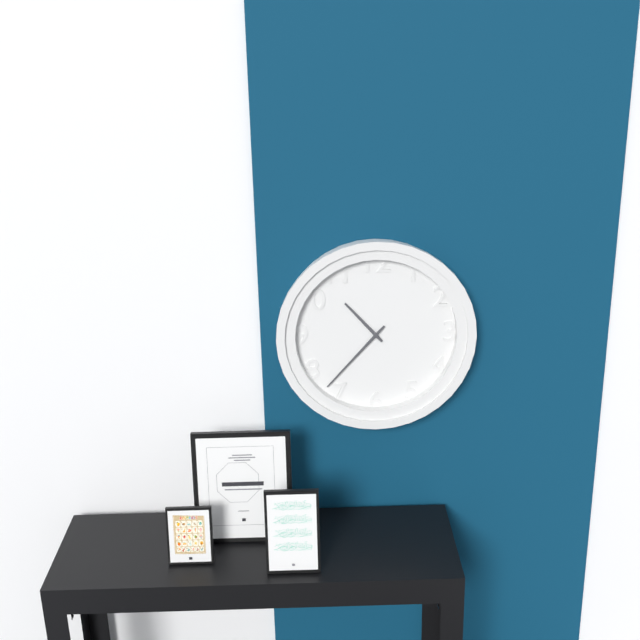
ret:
10:37
